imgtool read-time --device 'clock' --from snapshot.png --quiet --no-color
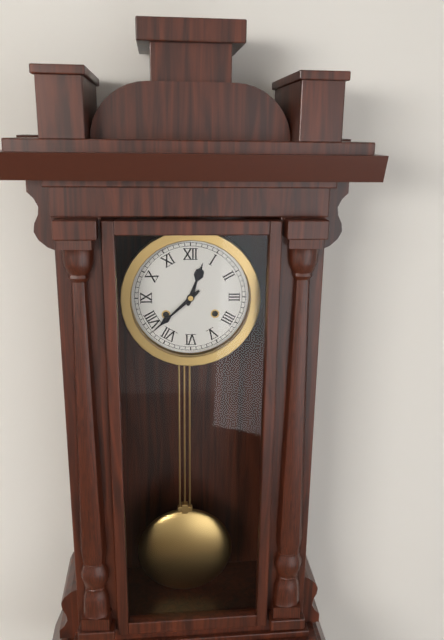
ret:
12:38
